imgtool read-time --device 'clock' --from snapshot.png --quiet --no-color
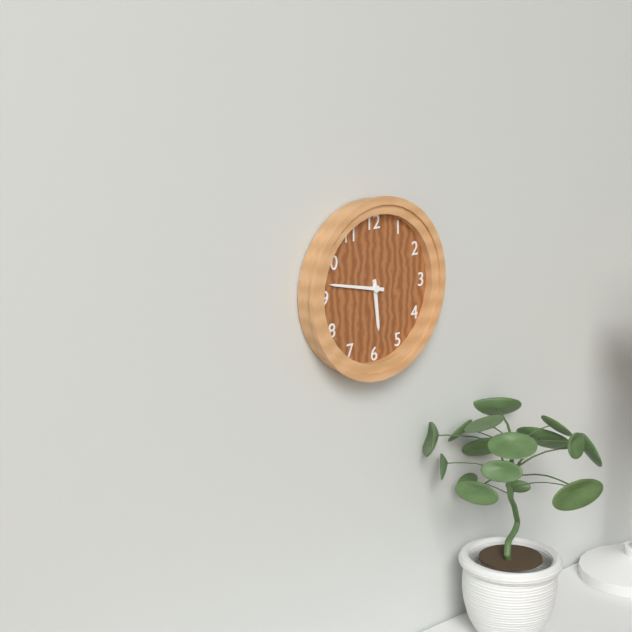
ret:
5:47
